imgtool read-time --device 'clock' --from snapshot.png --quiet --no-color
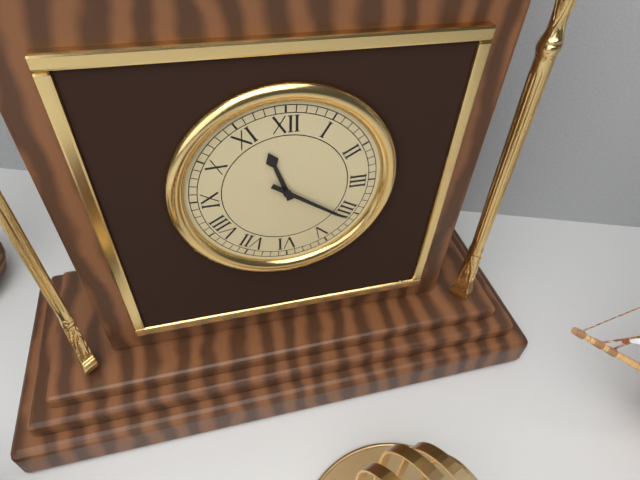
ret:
11:21
